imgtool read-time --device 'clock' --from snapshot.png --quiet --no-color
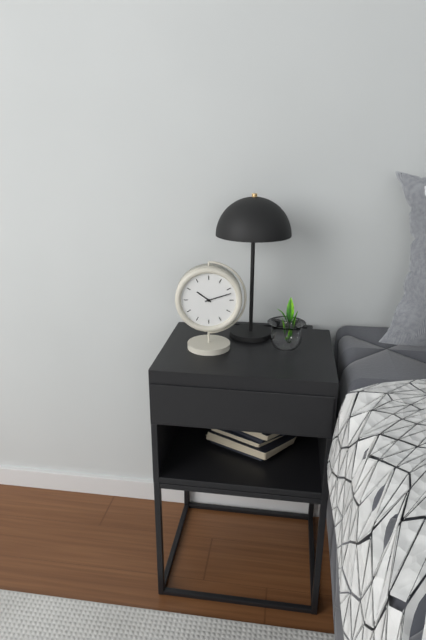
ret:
10:12
